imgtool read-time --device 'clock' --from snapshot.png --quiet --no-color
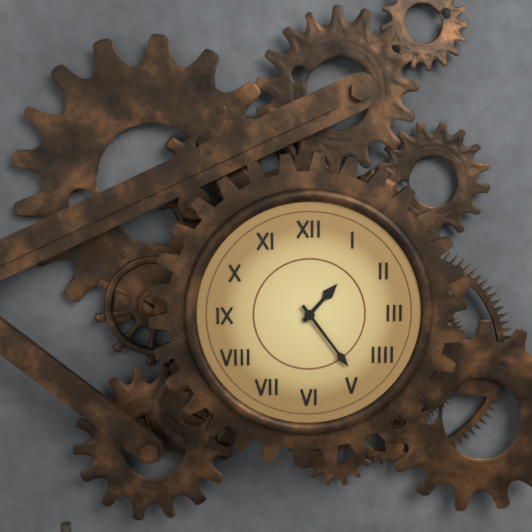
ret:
1:24
